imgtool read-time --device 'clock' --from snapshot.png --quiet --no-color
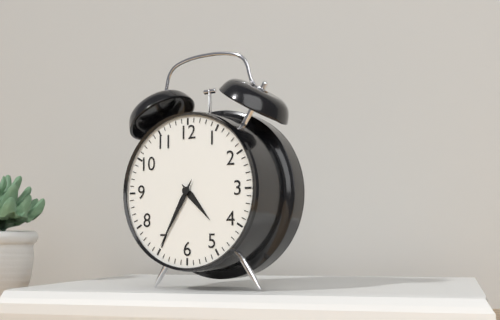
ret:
4:35
